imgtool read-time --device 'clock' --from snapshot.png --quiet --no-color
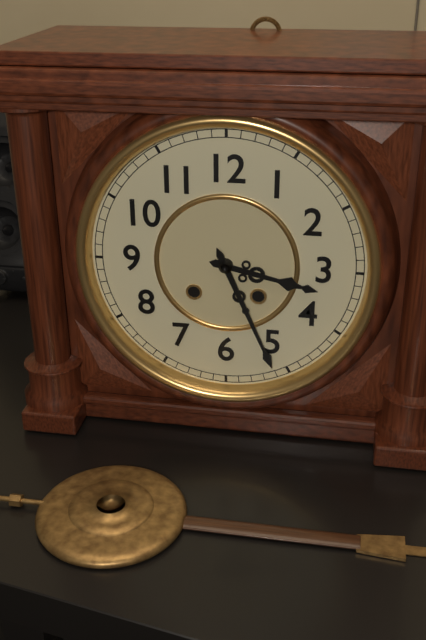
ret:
3:26
